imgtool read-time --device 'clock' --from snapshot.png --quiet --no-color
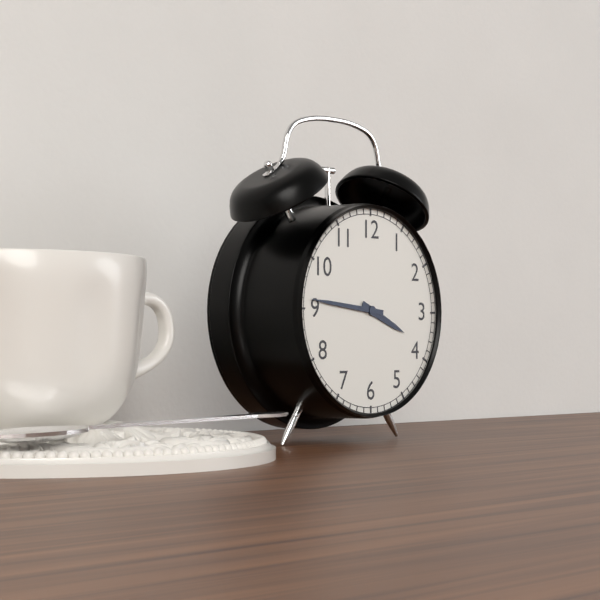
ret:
3:46
